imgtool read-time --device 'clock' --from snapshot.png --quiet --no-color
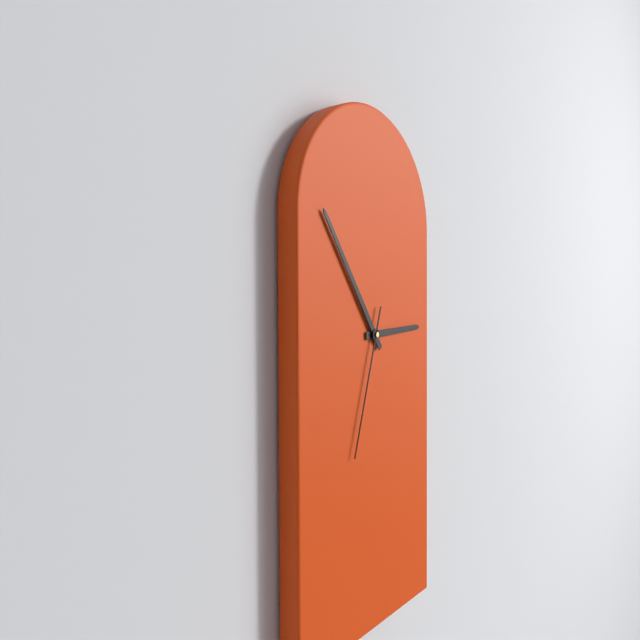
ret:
2:54:33
